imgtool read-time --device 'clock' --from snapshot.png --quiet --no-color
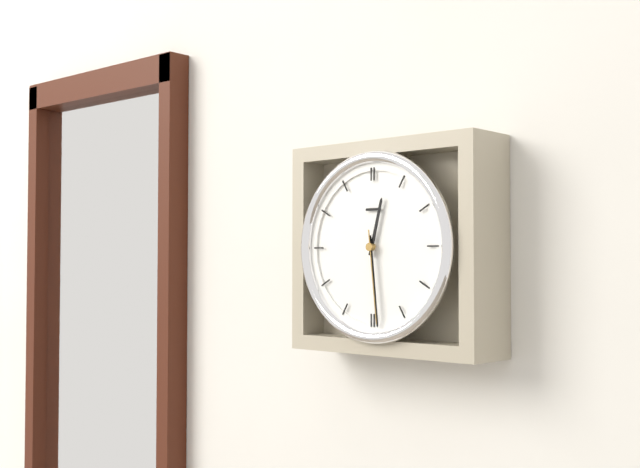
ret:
12:29:29
